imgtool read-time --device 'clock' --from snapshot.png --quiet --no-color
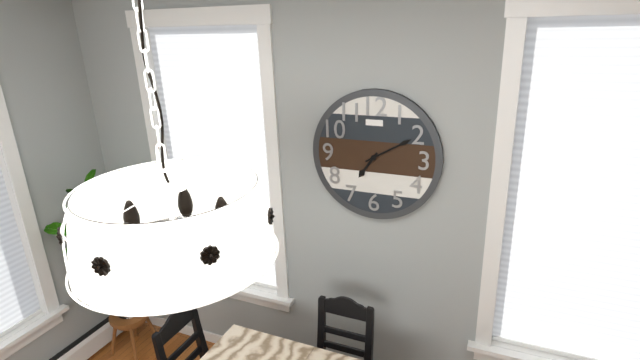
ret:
7:10
